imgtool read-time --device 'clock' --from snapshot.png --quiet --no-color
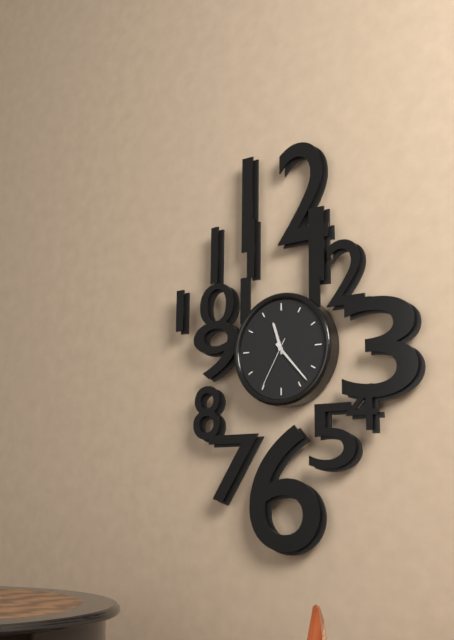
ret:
11:23:35
